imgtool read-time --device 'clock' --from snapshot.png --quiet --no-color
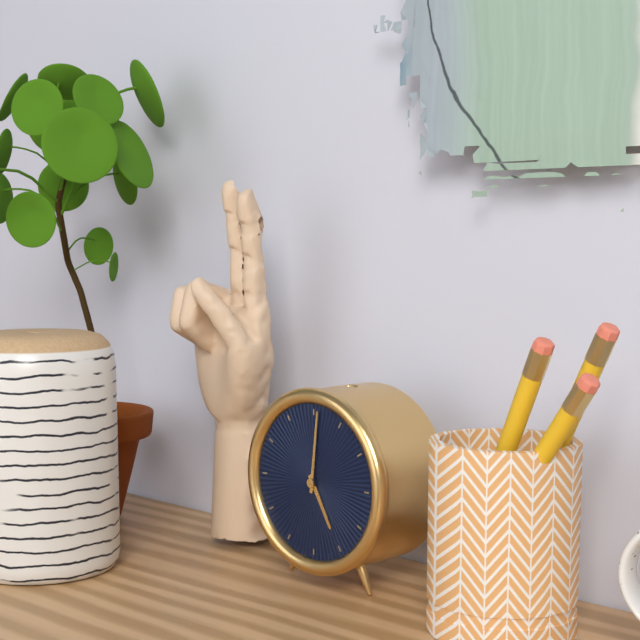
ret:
5:01
